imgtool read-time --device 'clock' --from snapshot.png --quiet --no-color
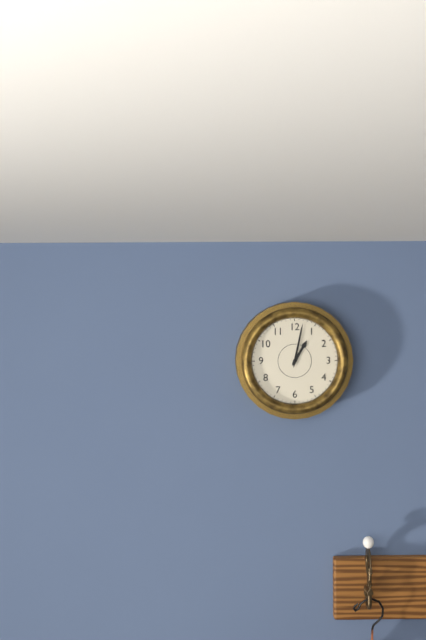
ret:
1:02
